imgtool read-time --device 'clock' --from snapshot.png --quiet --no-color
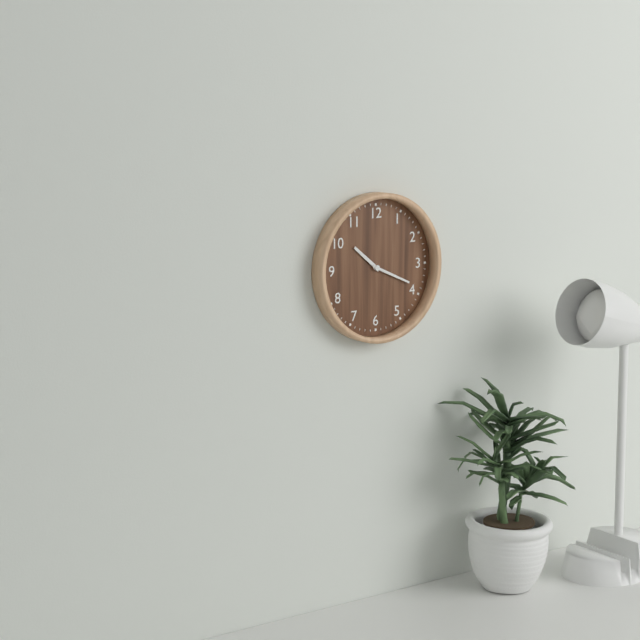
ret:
10:19
